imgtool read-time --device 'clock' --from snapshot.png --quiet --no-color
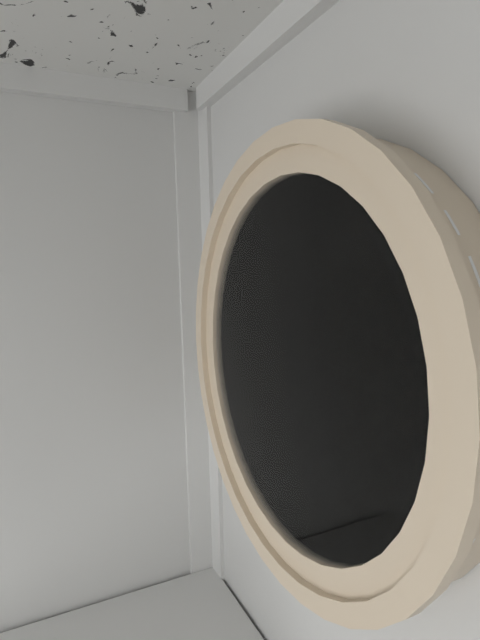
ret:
12:59:44
